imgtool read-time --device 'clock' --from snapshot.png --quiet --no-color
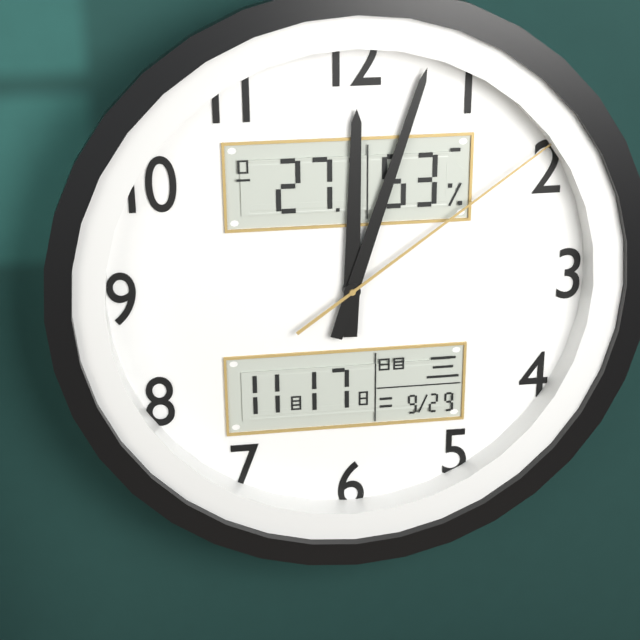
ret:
12:03:09
